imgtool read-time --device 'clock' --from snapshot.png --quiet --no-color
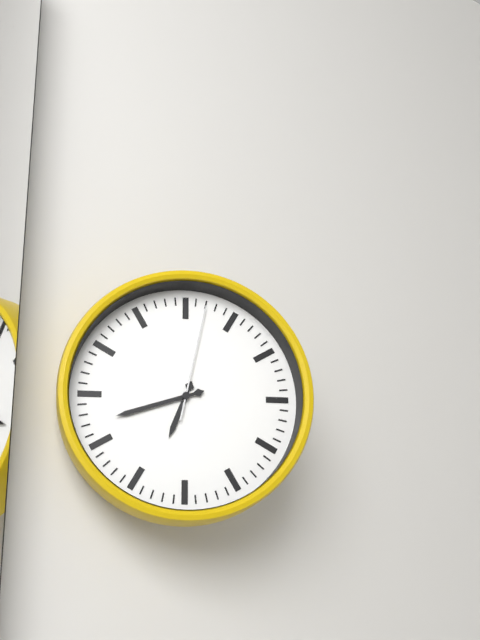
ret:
6:42:02
